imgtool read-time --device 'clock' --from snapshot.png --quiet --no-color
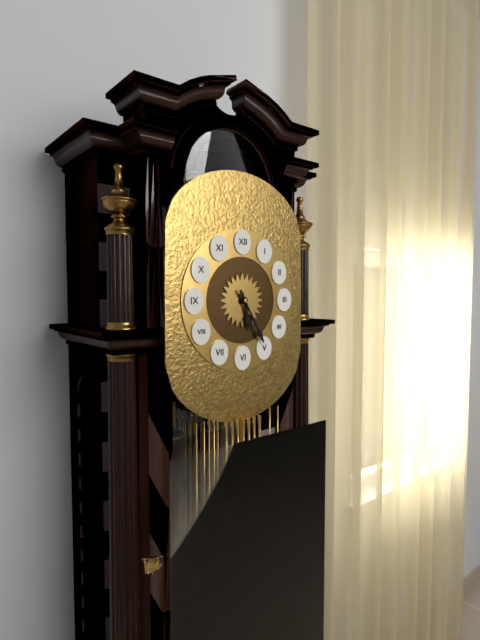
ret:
5:25
